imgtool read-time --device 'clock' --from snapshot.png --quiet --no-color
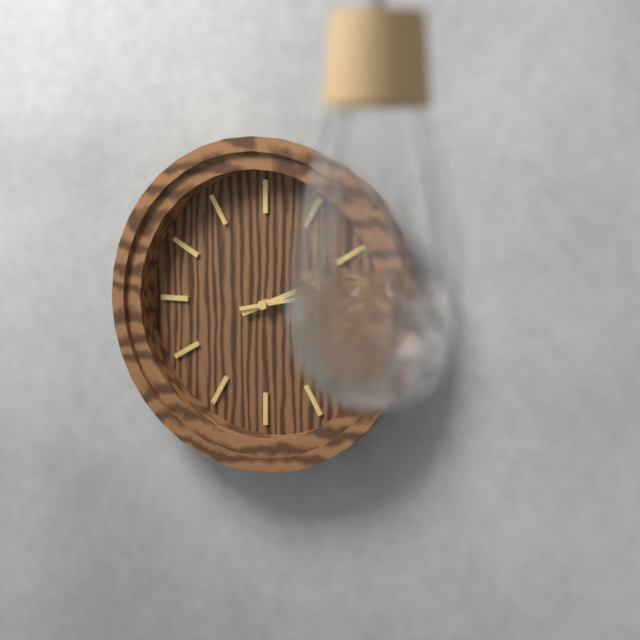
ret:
2:13
